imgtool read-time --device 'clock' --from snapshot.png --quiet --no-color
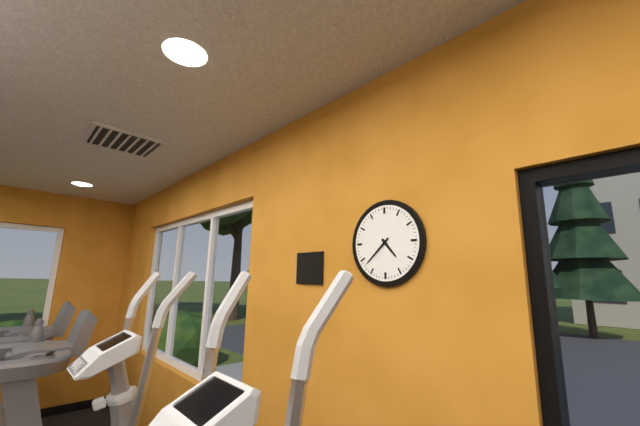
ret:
4:38
